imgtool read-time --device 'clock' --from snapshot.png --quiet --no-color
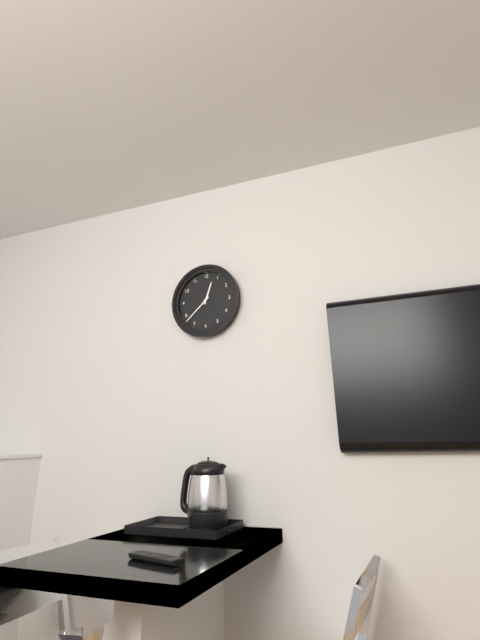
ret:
12:38
